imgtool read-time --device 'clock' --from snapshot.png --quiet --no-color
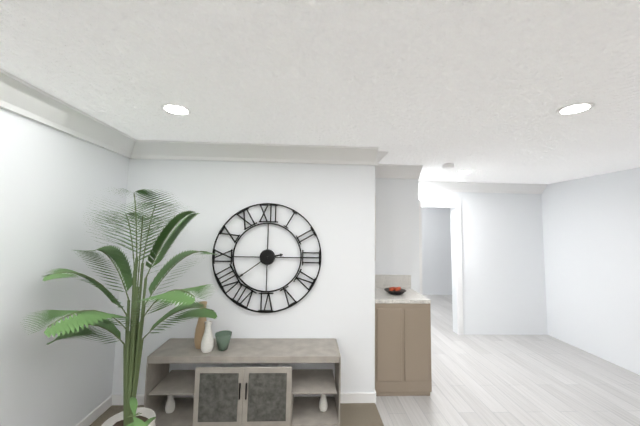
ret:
2:39
